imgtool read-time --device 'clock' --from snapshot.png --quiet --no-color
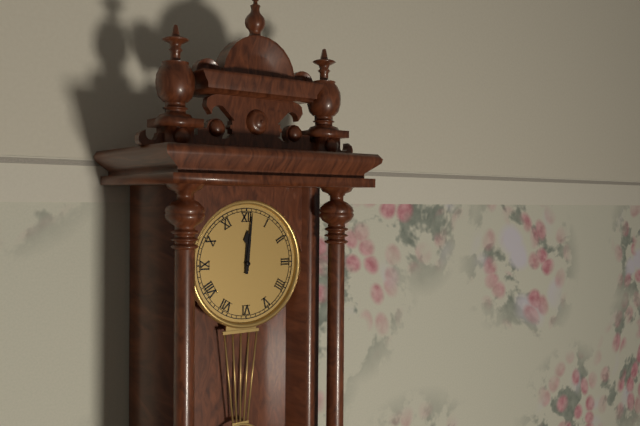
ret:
12:01
